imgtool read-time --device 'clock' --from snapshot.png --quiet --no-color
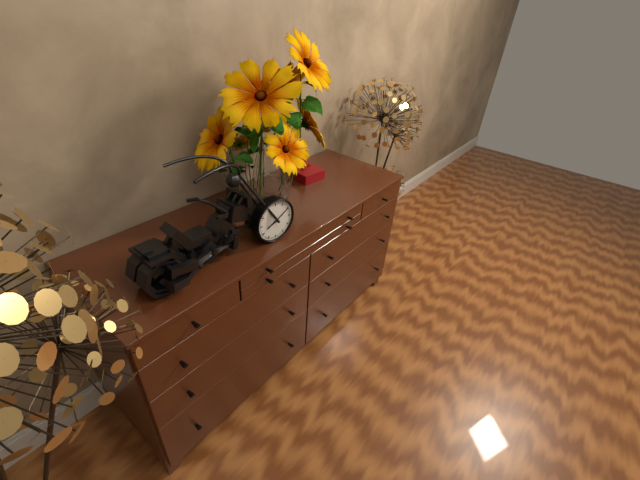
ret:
8:10
